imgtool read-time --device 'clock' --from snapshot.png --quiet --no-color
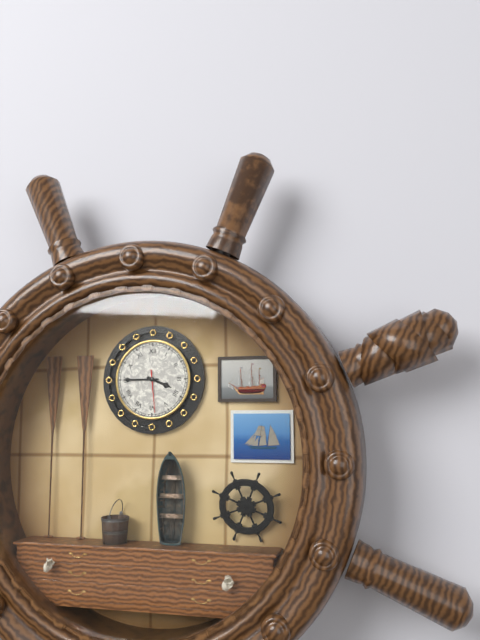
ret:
3:45
